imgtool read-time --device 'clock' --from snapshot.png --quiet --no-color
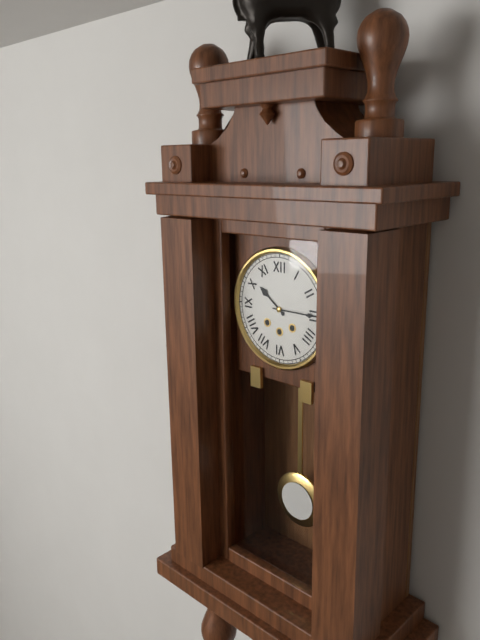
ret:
10:15
